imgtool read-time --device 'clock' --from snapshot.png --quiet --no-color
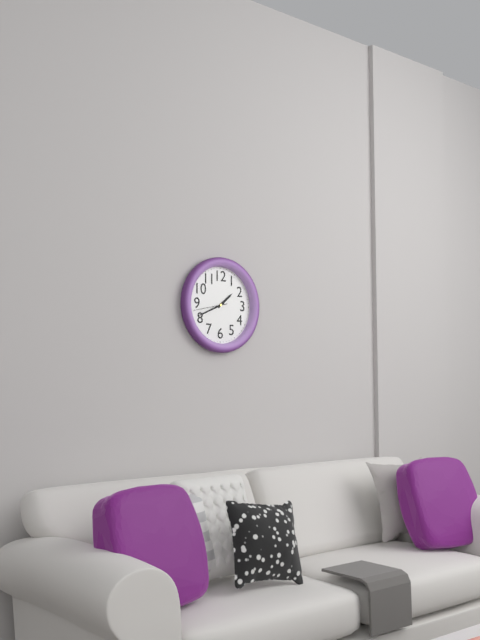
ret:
1:41
